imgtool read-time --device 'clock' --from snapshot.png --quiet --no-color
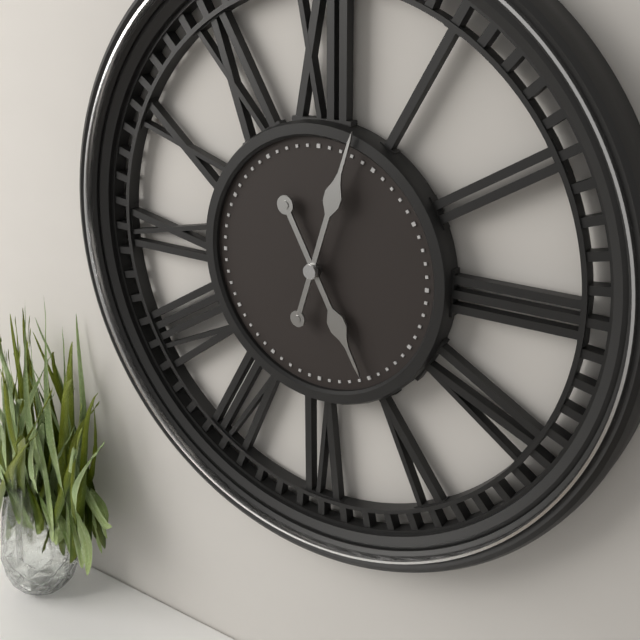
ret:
5:03
